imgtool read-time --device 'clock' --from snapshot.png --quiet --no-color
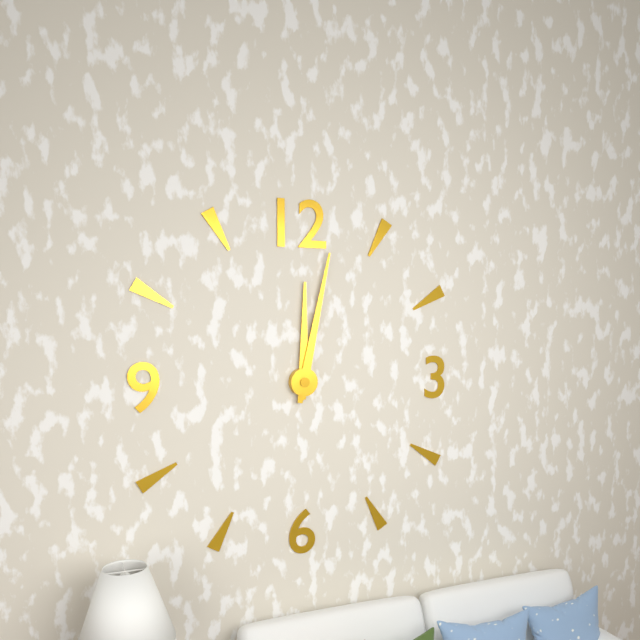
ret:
12:02
